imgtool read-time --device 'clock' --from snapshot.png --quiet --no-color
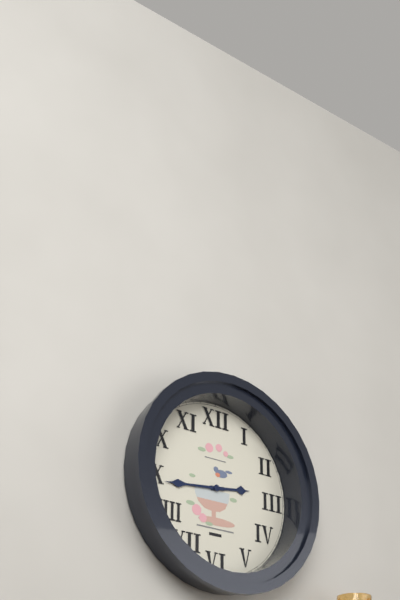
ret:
2:44
